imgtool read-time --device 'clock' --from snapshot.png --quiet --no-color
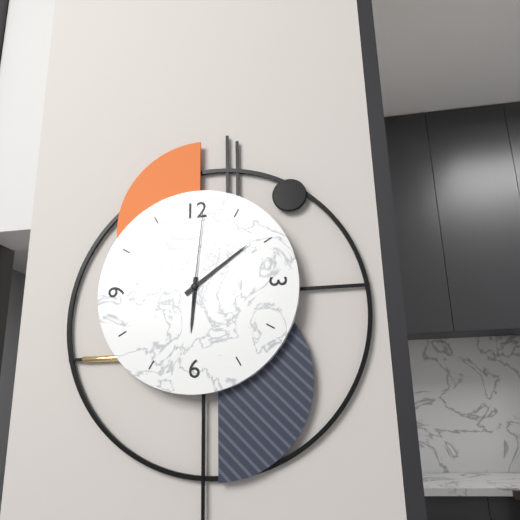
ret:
6:09:01
